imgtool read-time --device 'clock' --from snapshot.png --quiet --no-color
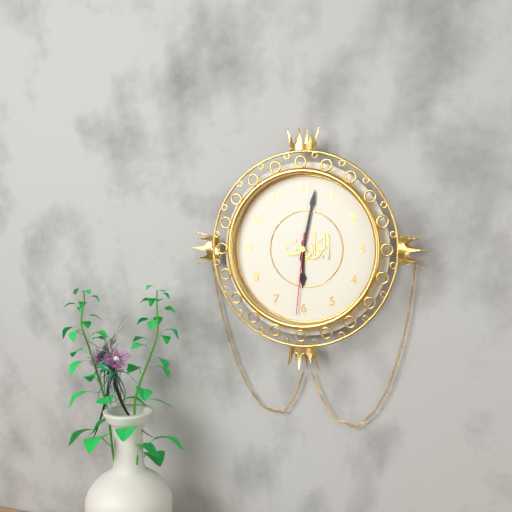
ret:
6:02:31
